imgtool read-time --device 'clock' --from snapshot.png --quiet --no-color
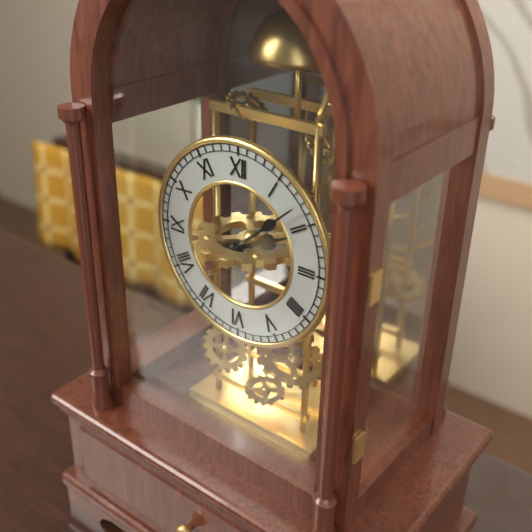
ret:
2:08
